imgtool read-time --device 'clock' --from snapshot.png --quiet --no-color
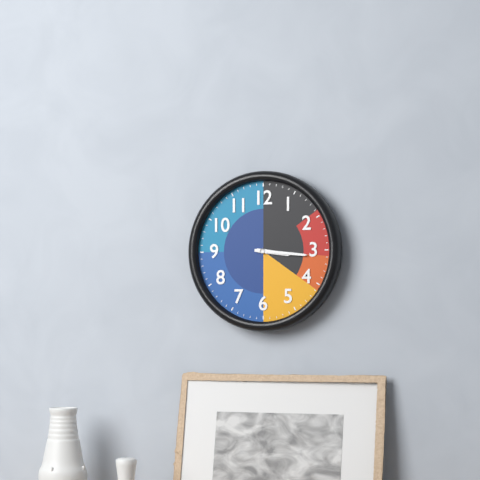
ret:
3:16
